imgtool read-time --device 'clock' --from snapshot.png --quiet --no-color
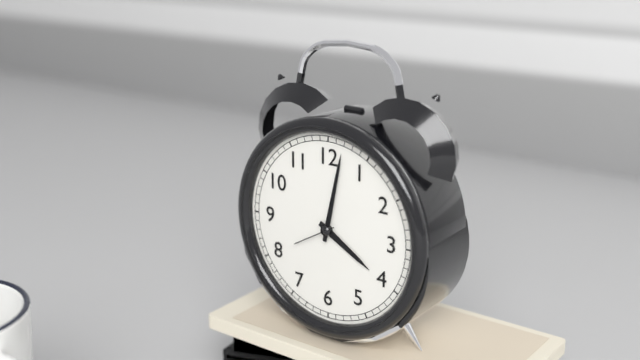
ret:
4:02
